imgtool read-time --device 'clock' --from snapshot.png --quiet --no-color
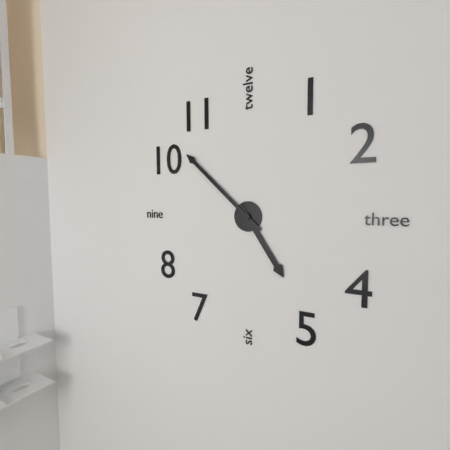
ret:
4:52
